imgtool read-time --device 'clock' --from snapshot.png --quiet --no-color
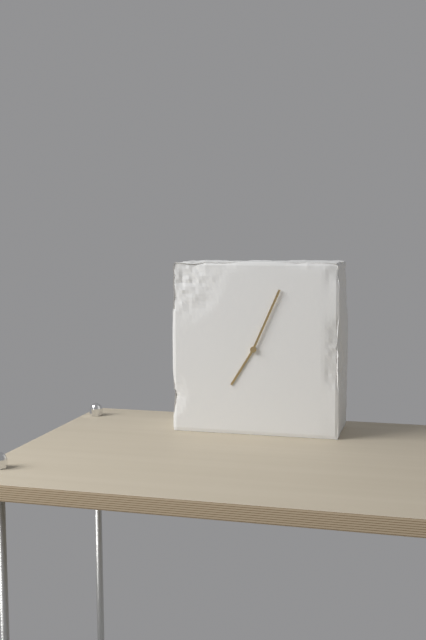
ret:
7:04
